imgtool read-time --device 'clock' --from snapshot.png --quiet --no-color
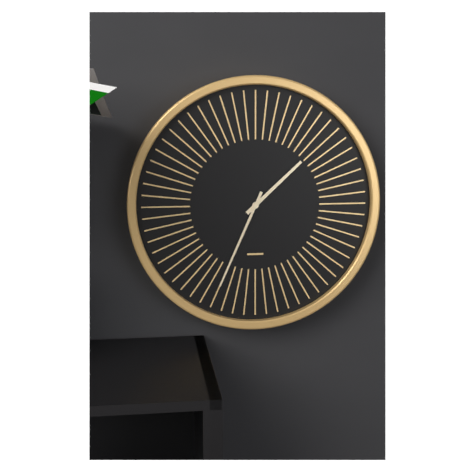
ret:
1:34
